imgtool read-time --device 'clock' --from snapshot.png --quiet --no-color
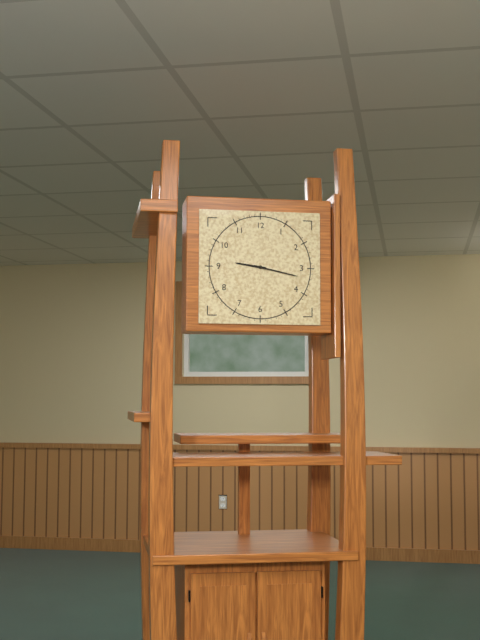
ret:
9:17
